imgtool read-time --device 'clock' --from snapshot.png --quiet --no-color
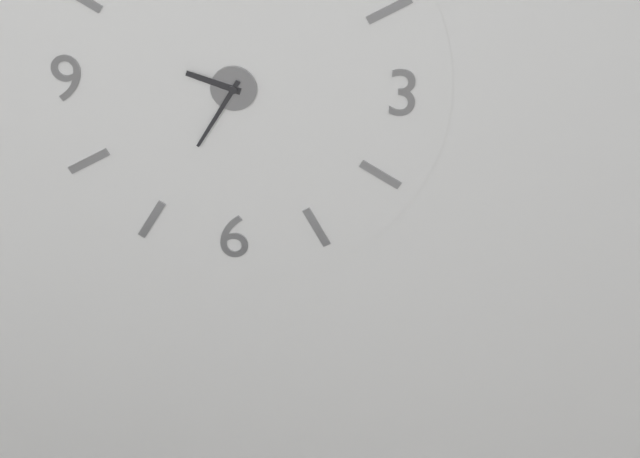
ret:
9:35
